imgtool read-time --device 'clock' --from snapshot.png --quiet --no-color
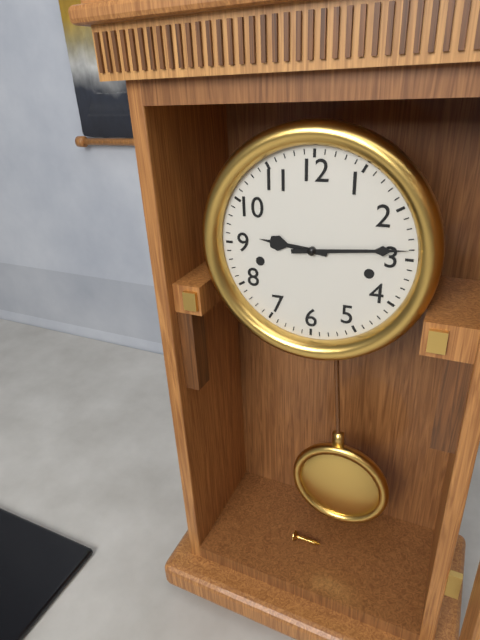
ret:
9:14
